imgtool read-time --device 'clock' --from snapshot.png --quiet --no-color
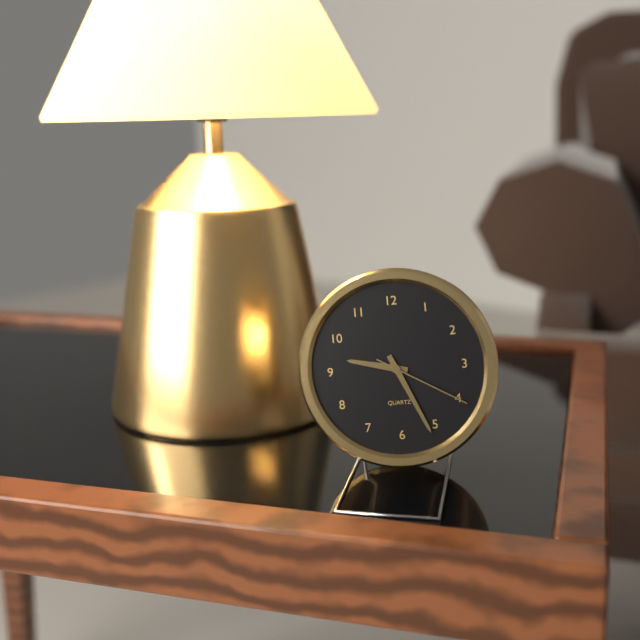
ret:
9:26:20
